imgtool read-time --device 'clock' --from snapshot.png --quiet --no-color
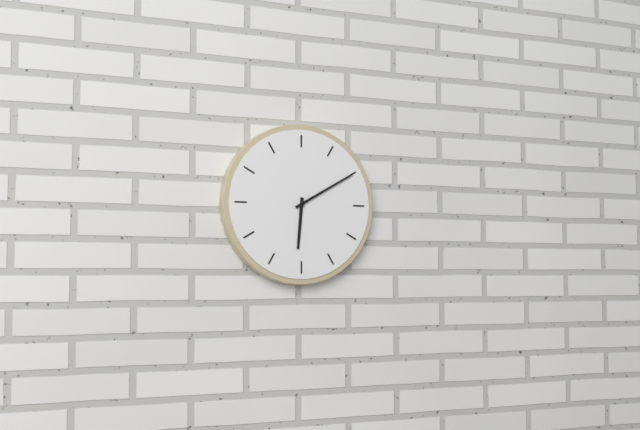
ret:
6:10
